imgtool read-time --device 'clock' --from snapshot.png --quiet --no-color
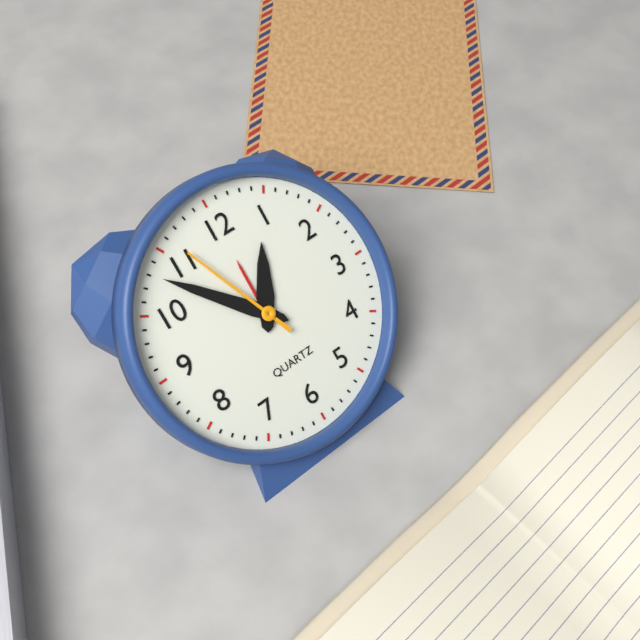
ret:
12:53:56
